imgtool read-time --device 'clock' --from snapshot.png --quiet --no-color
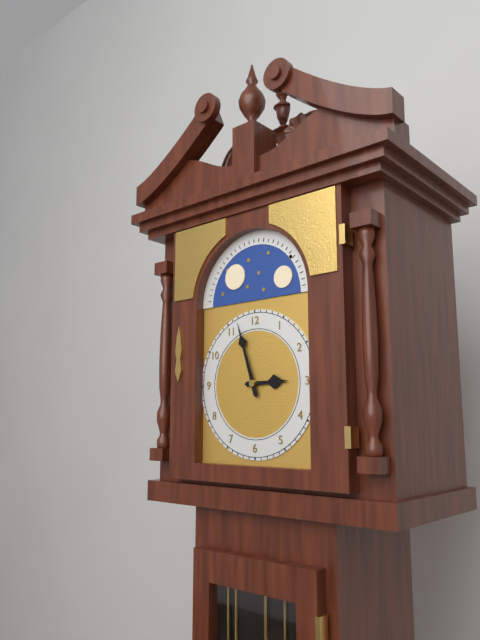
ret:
2:57
